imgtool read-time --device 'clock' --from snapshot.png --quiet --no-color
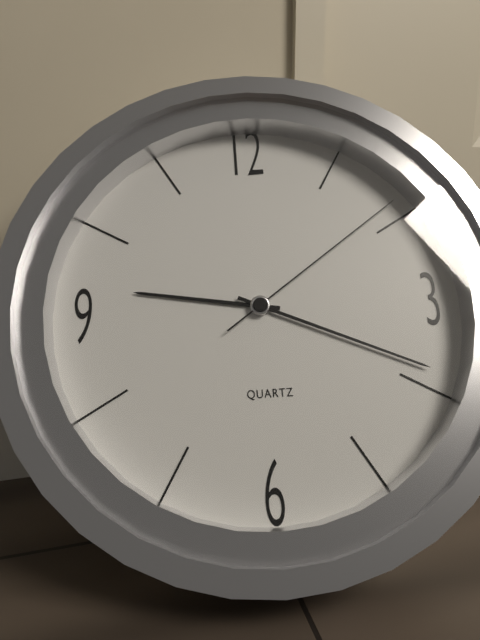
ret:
9:19:09
